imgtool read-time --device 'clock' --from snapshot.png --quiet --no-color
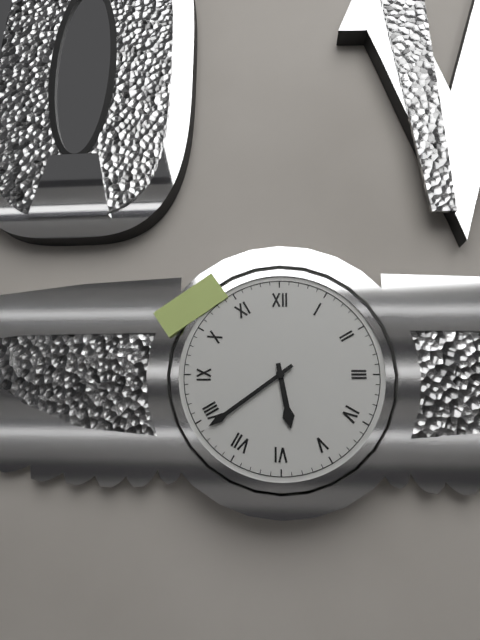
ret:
5:39
